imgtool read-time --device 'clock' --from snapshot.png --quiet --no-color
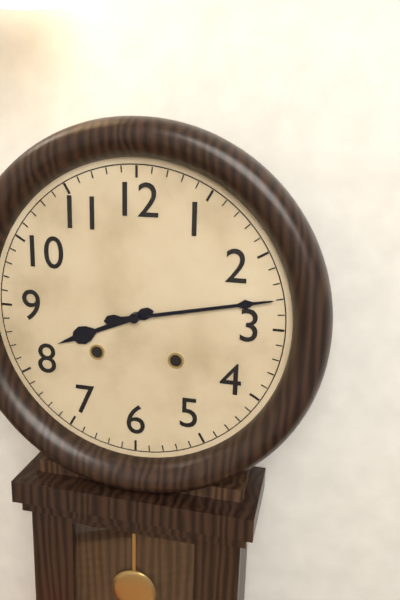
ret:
8:13
